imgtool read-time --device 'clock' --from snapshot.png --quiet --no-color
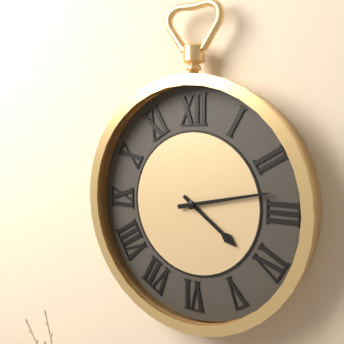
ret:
4:13
